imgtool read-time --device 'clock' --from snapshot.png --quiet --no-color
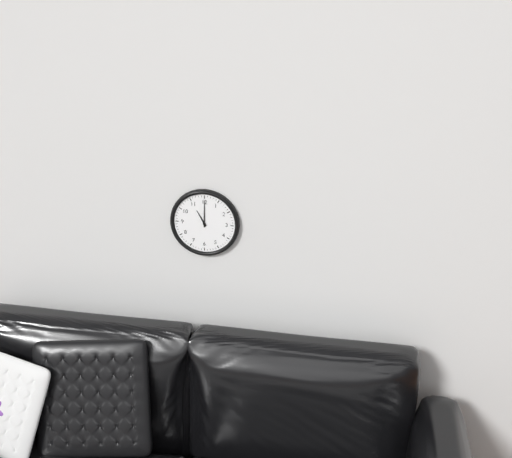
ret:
11:00
